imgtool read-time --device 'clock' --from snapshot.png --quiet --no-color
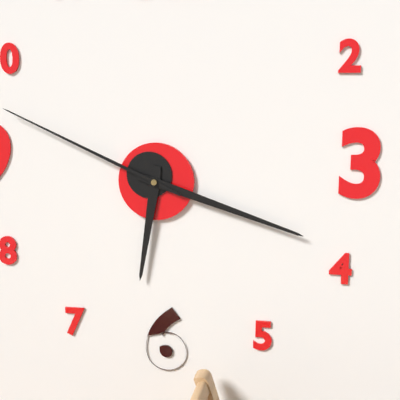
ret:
6:18:49
